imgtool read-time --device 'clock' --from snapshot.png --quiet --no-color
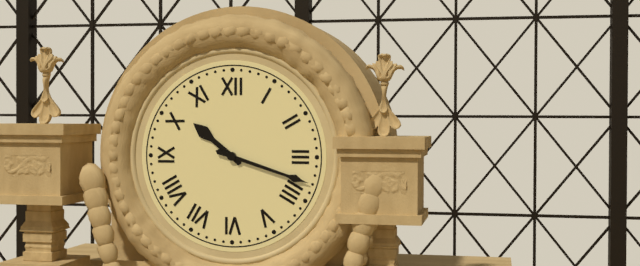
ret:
10:18
